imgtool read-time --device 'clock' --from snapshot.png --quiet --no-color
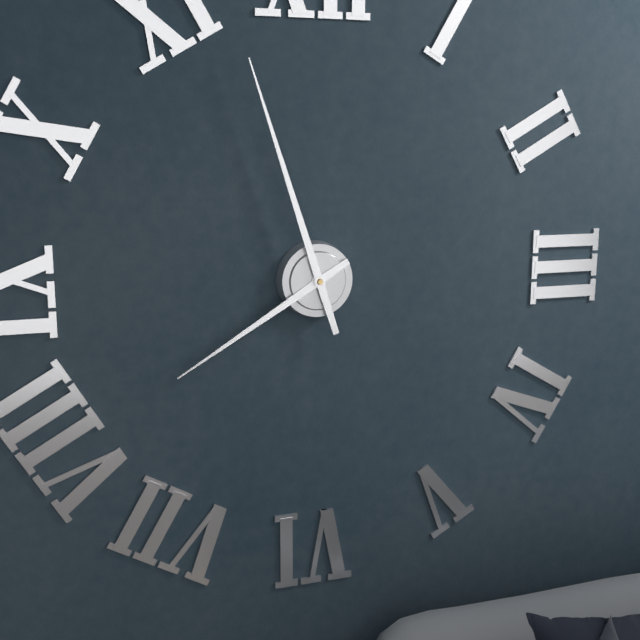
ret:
7:57
